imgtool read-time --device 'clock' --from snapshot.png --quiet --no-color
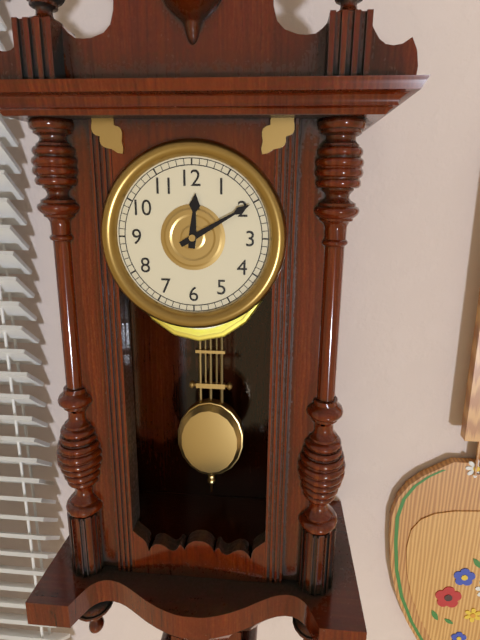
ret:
12:10
